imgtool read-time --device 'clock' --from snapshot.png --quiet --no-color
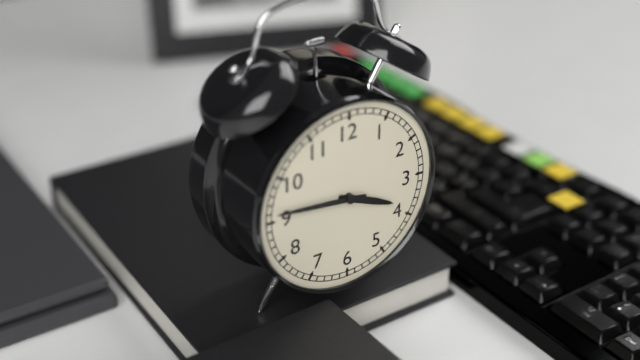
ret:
3:46
